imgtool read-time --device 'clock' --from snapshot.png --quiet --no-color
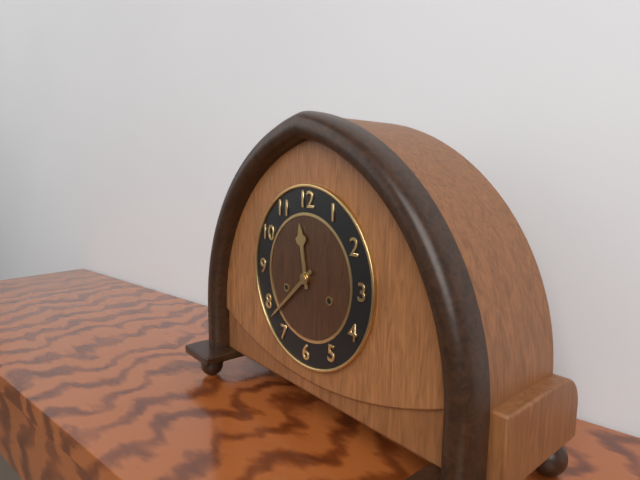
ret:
11:38
